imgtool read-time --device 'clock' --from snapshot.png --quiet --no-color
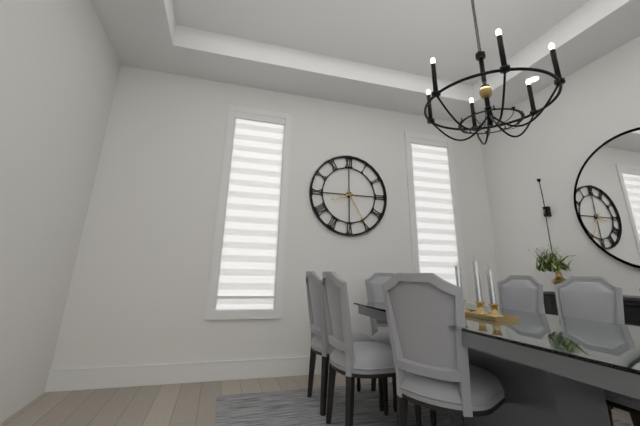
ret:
8:25
